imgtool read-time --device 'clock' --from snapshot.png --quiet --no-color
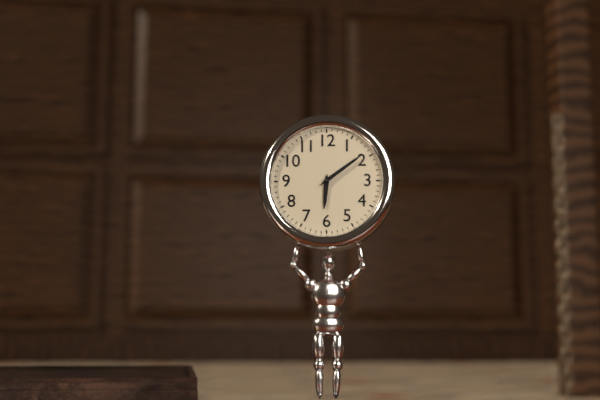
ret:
6:09
